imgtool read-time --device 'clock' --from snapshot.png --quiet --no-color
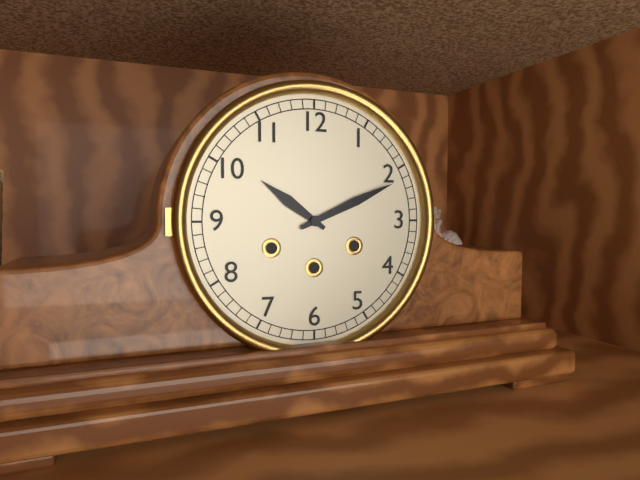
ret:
10:11
